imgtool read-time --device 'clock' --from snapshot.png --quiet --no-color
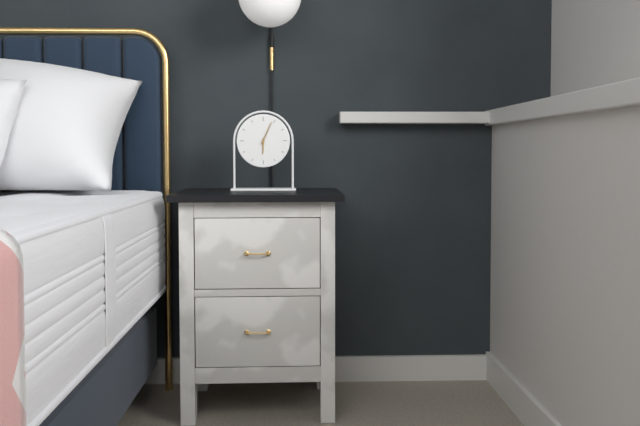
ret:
6:04
